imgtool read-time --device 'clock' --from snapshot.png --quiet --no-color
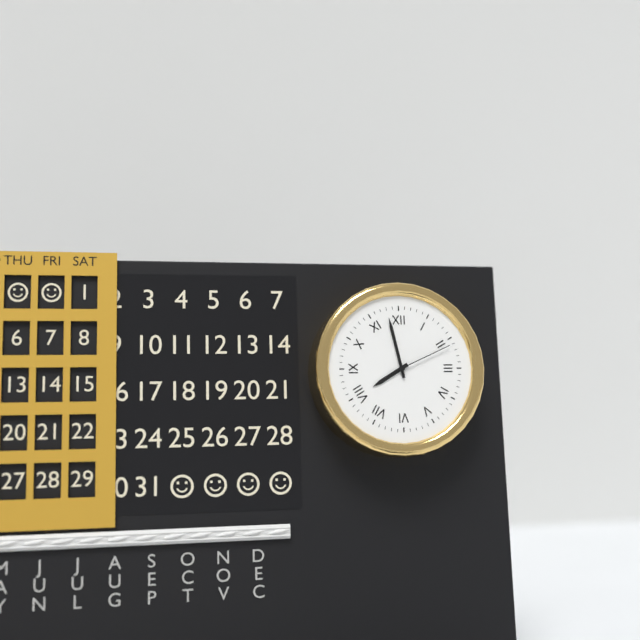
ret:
7:58:11
